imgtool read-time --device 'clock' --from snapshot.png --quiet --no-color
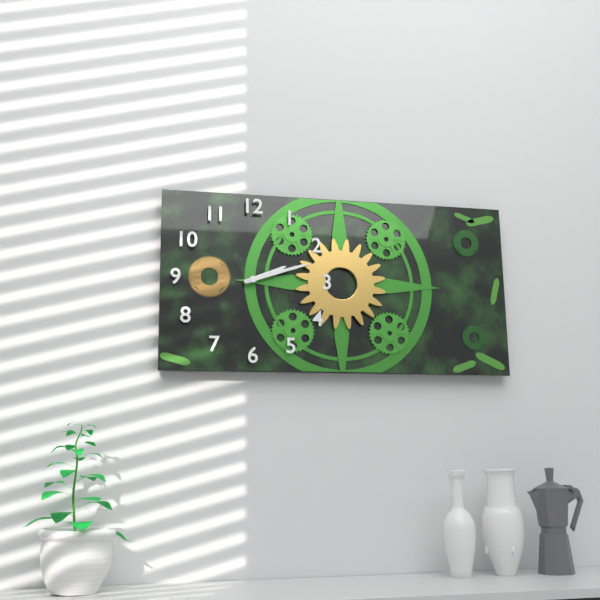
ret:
2:12
